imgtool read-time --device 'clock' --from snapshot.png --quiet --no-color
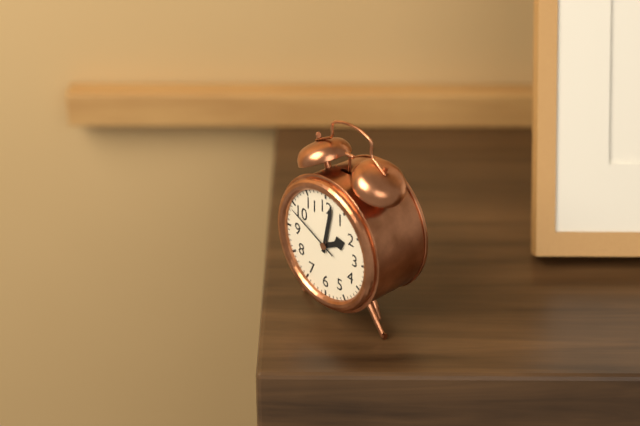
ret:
2:02:49
